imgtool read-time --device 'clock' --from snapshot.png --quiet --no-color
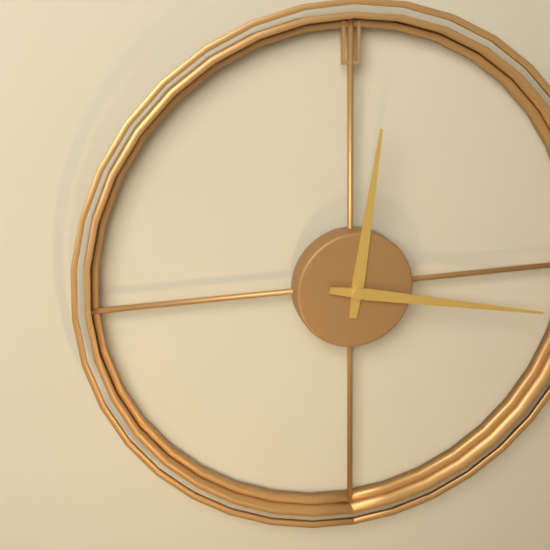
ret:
12:17
